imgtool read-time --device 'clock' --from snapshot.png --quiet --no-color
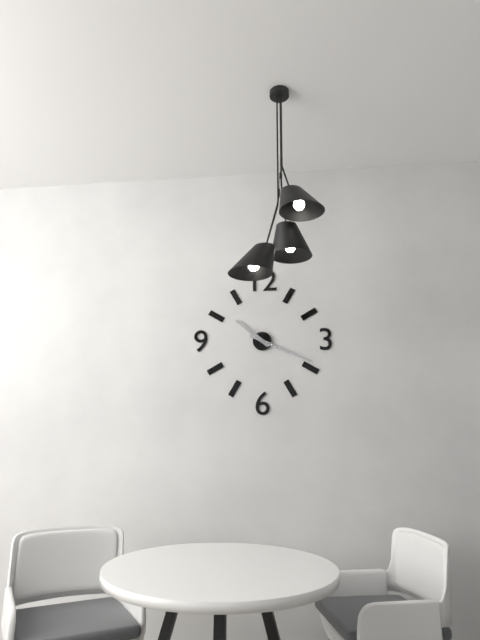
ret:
10:19
